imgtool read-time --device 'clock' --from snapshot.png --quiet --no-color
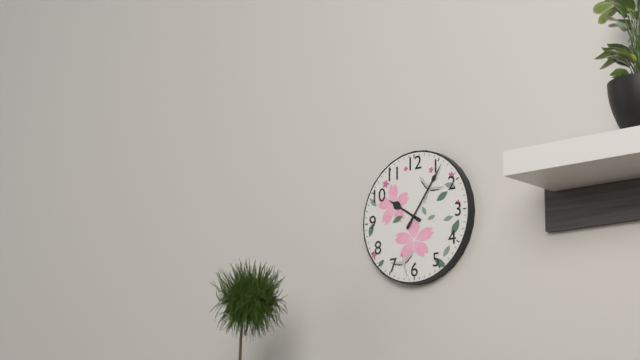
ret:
10:06
